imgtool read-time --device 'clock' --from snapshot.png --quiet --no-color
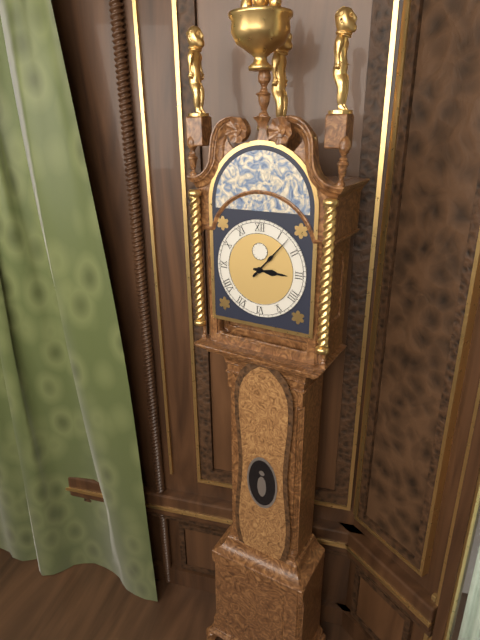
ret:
3:07
